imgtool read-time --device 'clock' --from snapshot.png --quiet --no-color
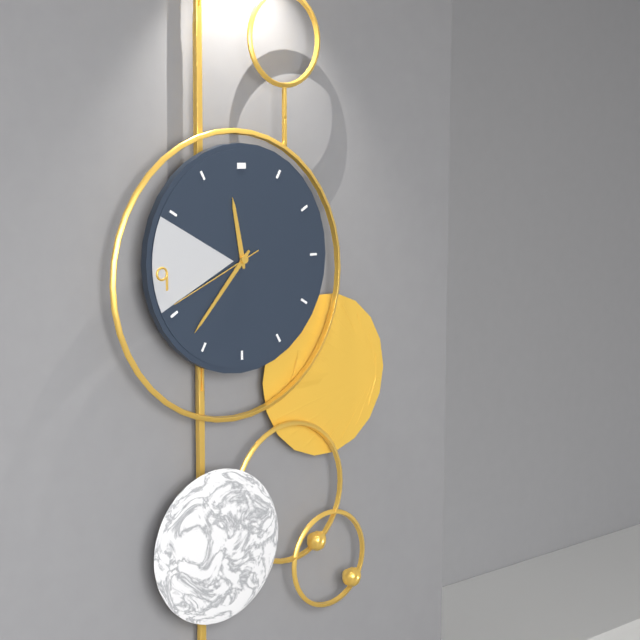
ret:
11:37:41
